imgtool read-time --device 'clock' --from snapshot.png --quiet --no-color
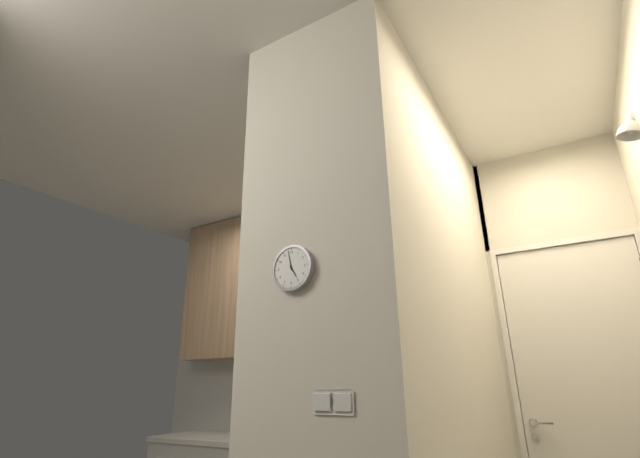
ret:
4:58
